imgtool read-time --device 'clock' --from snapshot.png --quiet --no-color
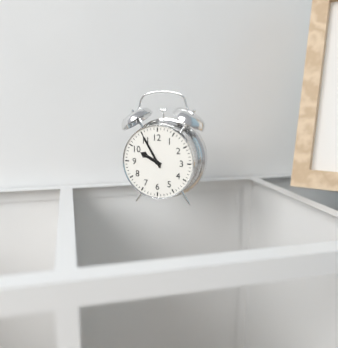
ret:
9:55
